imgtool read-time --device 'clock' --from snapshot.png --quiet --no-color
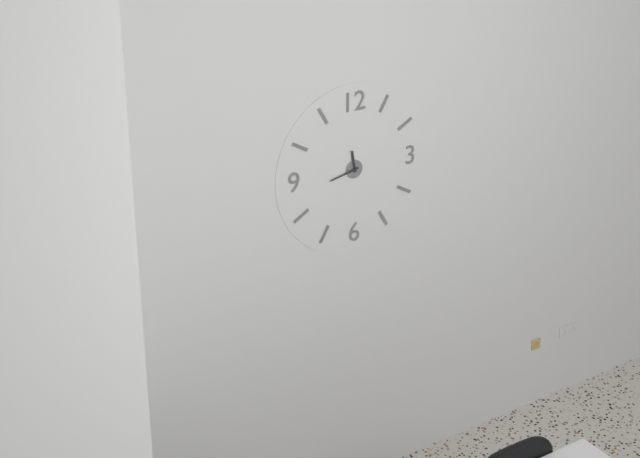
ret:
11:43
